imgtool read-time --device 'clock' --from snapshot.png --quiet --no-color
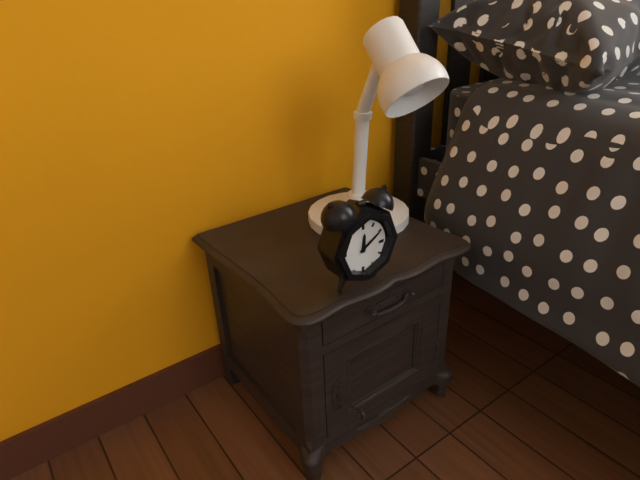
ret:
12:10
